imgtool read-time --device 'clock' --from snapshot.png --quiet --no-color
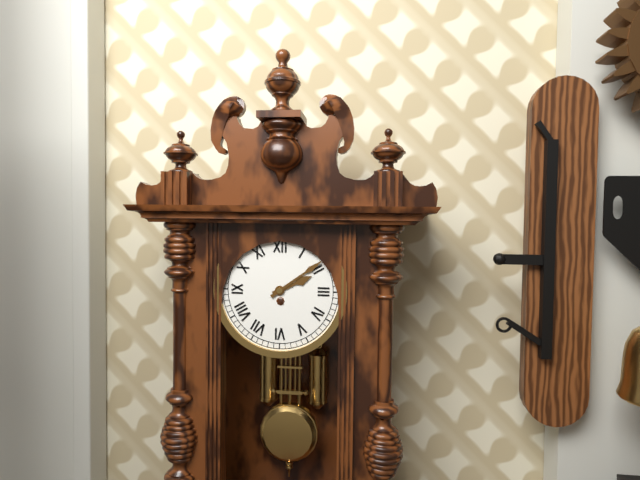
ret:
2:09
